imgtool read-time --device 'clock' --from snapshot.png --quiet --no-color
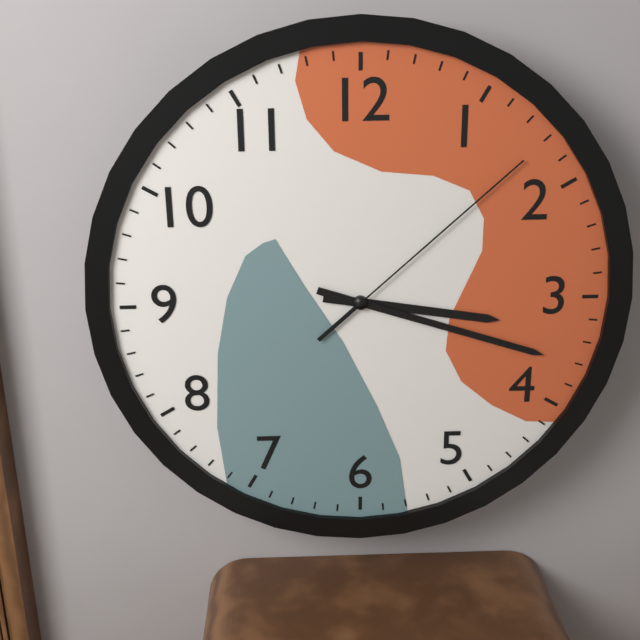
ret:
3:18:08
